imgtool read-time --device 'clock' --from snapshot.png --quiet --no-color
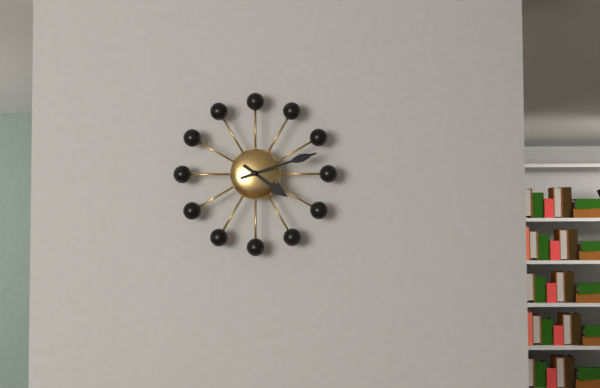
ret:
4:12
